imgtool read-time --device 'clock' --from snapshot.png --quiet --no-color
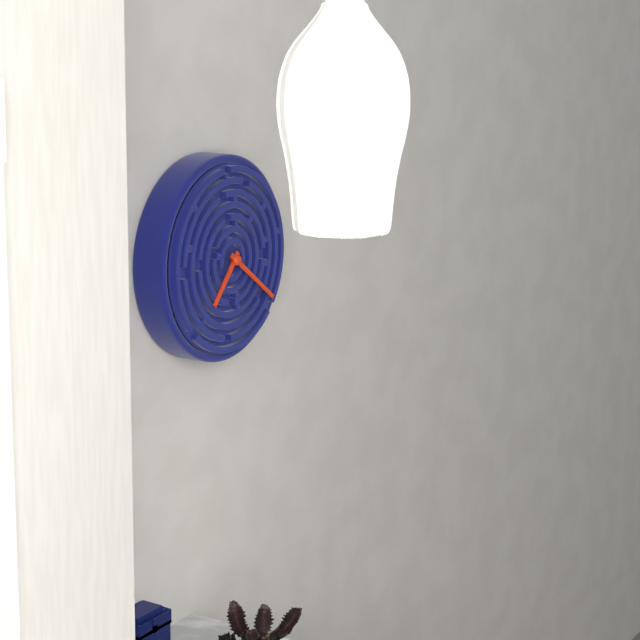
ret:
7:21
